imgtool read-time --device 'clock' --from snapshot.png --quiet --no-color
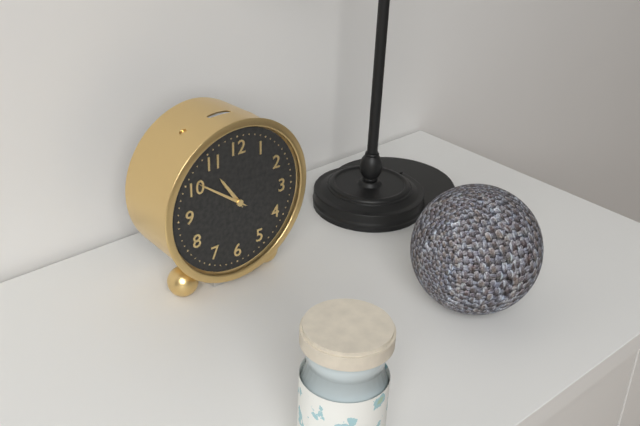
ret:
10:51
